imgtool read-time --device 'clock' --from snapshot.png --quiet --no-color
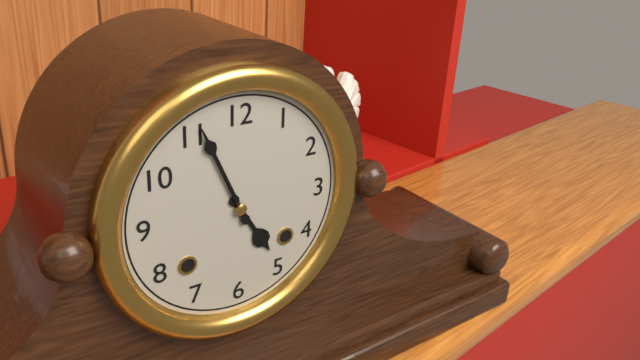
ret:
4:56
